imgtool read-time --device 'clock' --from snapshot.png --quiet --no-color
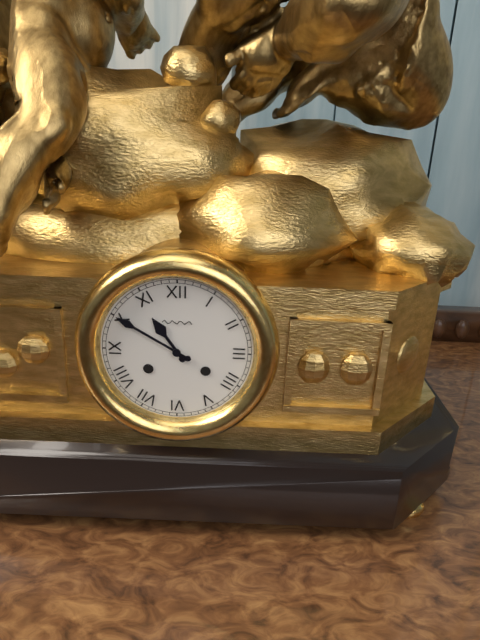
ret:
10:50
